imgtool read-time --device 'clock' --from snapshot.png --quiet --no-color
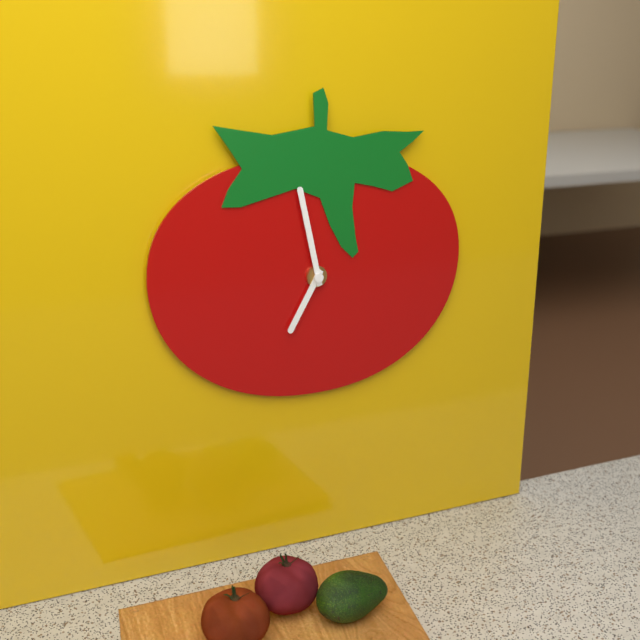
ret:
6:58
